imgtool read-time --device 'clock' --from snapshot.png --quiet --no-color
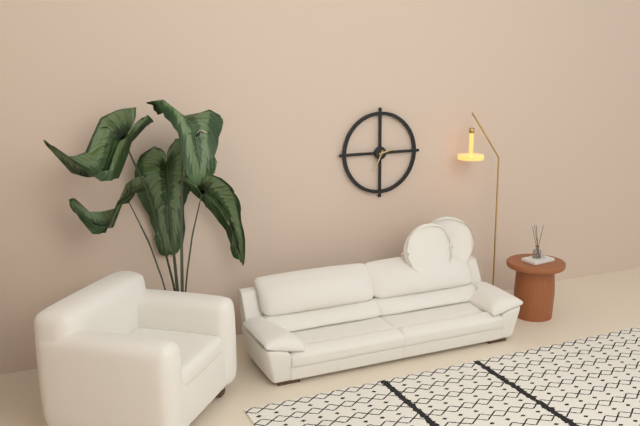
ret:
2:34
